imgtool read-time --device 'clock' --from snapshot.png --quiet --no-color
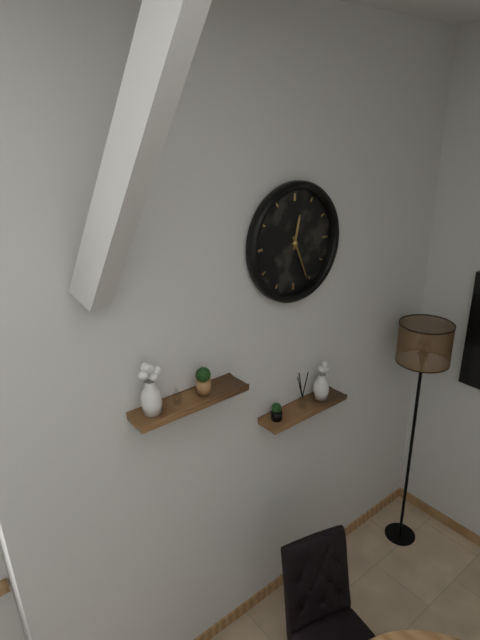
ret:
12:26
